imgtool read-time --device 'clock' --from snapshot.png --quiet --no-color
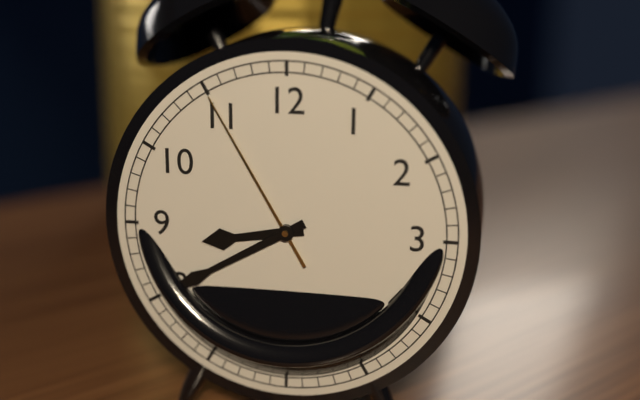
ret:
8:40:55
